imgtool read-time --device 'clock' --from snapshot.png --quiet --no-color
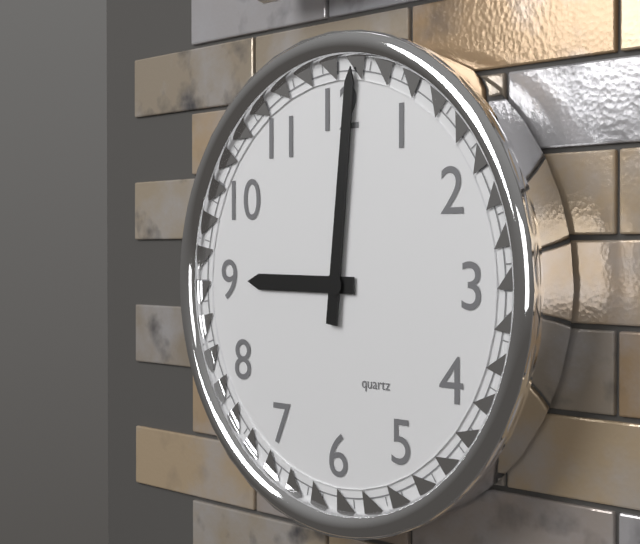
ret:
9:01
